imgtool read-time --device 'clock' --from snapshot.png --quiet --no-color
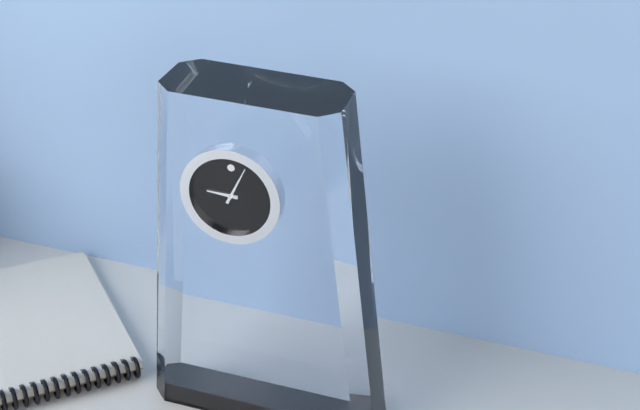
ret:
9:04
